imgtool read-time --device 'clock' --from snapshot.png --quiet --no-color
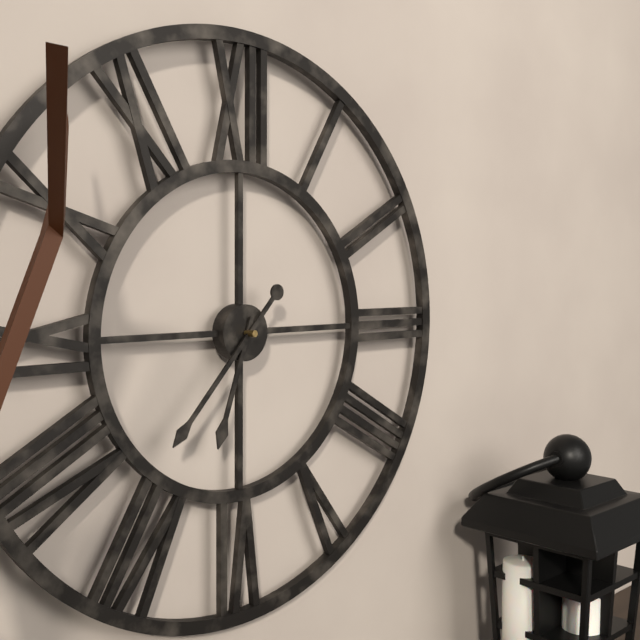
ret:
6:37
